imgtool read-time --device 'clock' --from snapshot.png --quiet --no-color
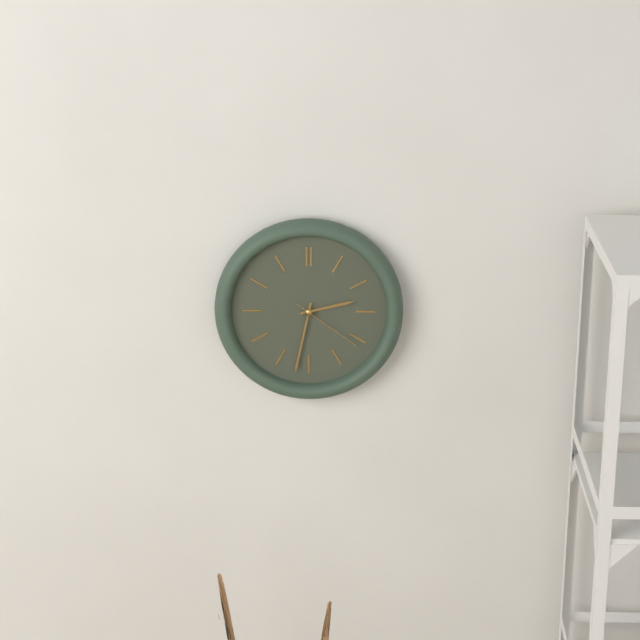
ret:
2:32:21
